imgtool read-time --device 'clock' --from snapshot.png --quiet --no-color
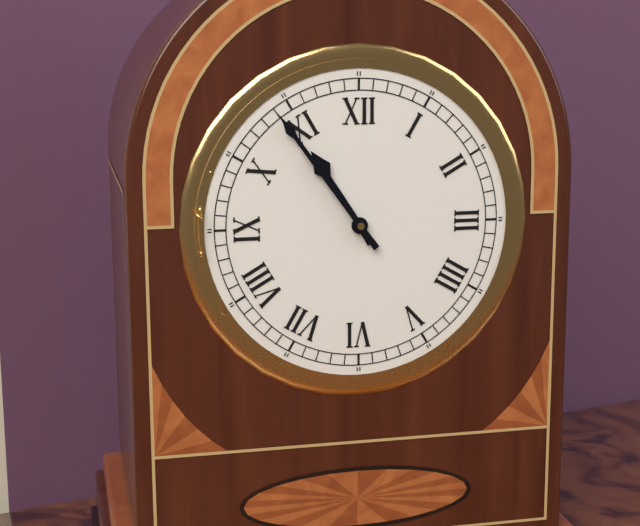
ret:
10:54
